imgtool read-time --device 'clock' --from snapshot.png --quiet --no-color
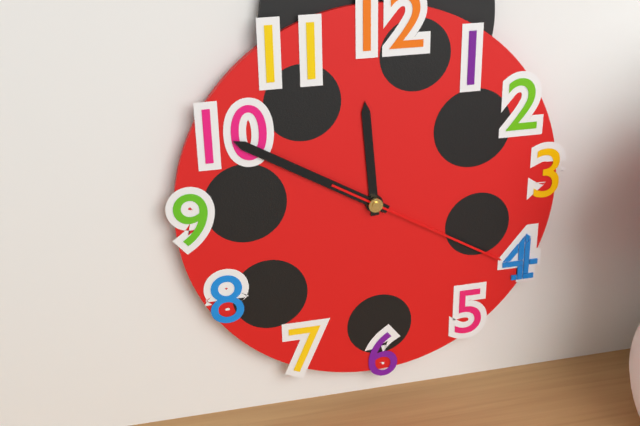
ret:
11:50:20
